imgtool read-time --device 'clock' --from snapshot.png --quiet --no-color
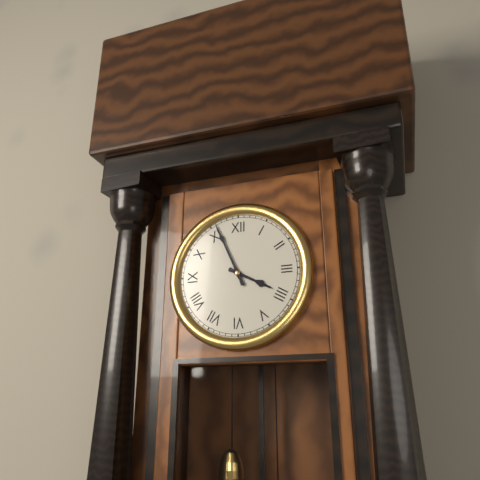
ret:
3:56
